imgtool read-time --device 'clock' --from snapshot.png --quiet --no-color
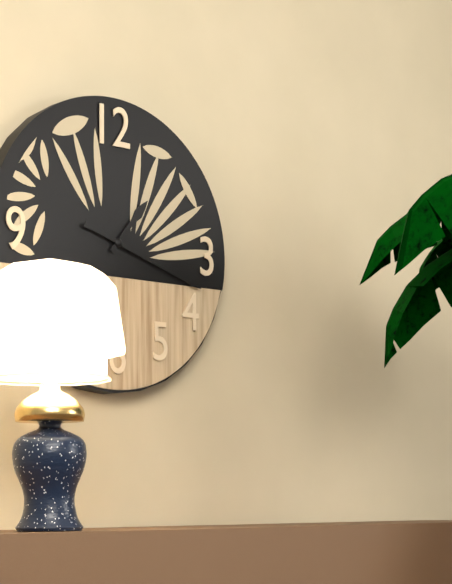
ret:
1:18
